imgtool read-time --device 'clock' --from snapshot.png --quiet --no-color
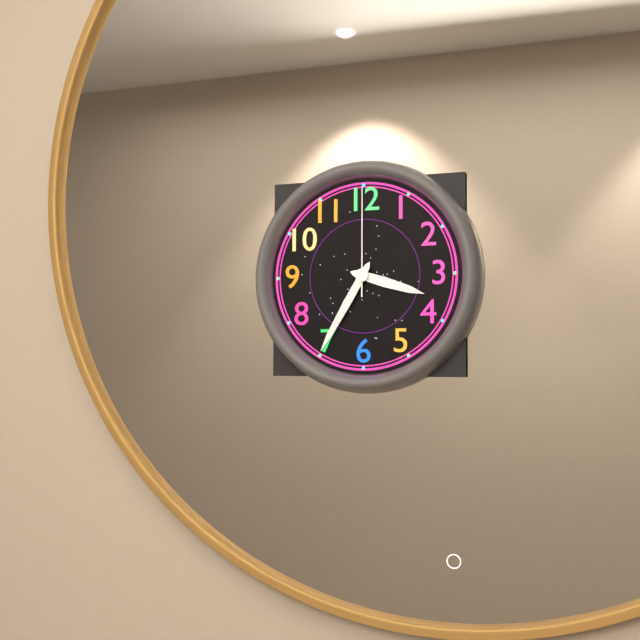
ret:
3:35:00
